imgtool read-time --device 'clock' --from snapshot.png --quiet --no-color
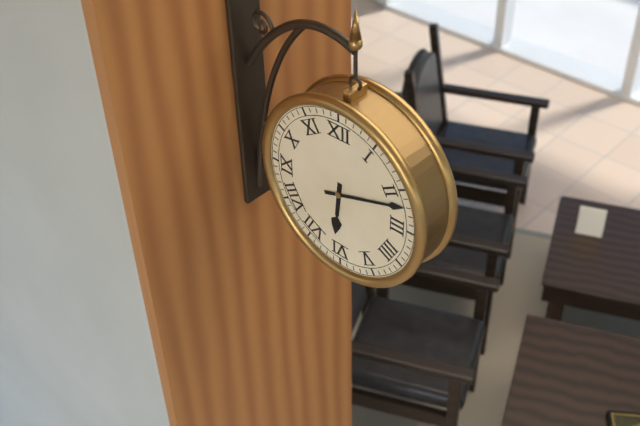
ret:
6:12
